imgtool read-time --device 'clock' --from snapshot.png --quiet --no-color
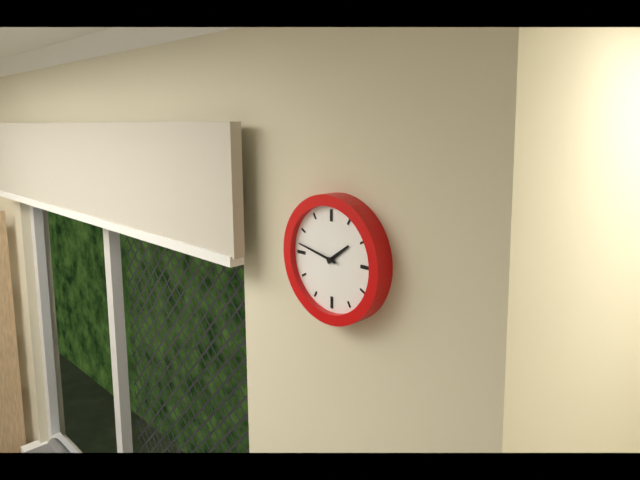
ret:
1:47
